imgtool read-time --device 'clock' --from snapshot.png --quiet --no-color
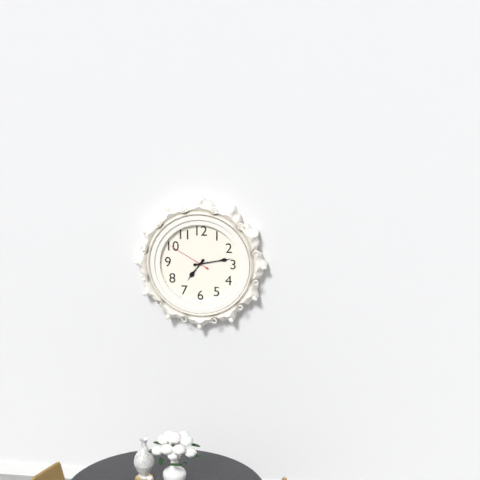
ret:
7:13
